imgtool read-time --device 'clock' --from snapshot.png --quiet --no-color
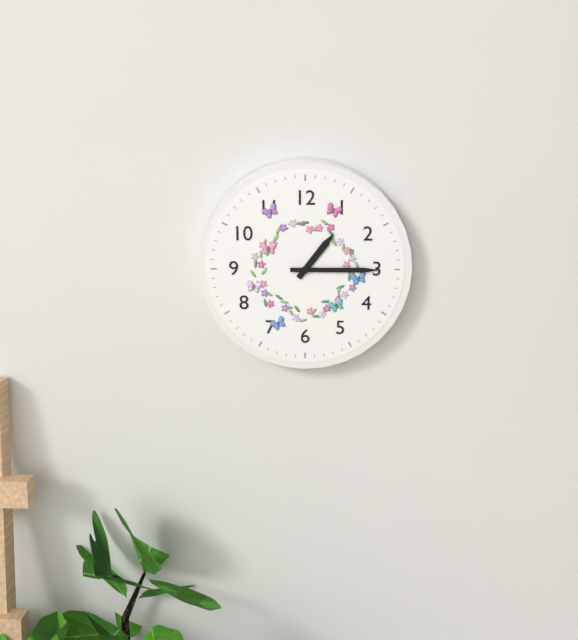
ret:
1:15
